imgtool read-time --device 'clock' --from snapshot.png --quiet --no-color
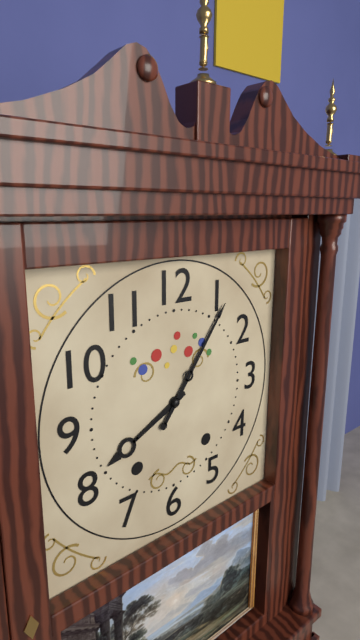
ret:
8:06
